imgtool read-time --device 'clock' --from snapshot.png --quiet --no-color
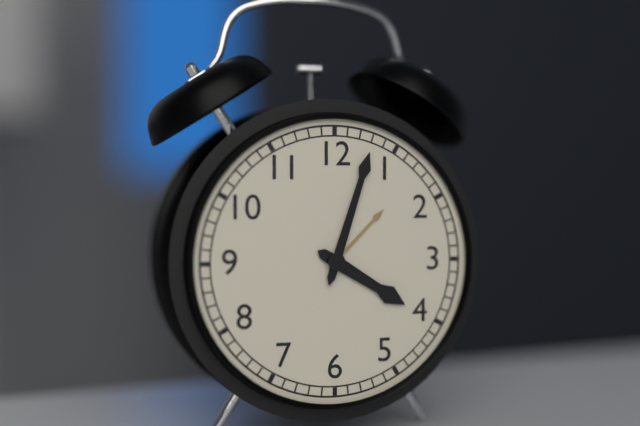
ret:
4:03
